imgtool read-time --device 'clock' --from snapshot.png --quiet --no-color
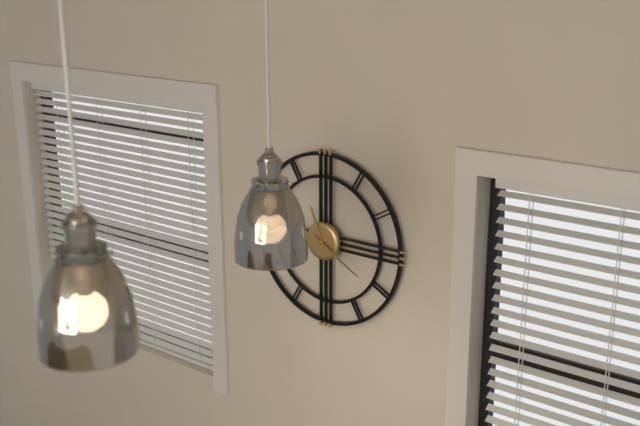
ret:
11:20
